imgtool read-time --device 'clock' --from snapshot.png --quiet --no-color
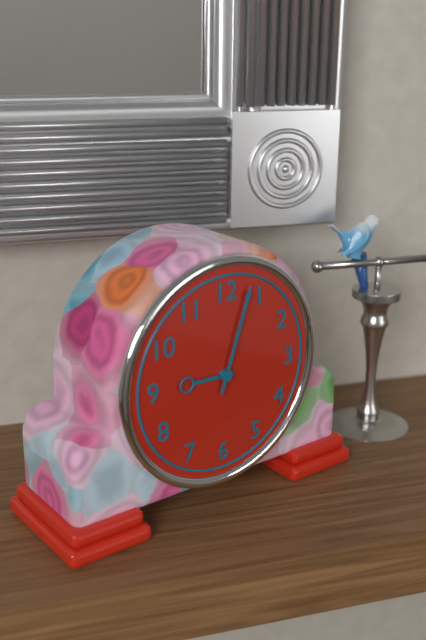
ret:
9:03
